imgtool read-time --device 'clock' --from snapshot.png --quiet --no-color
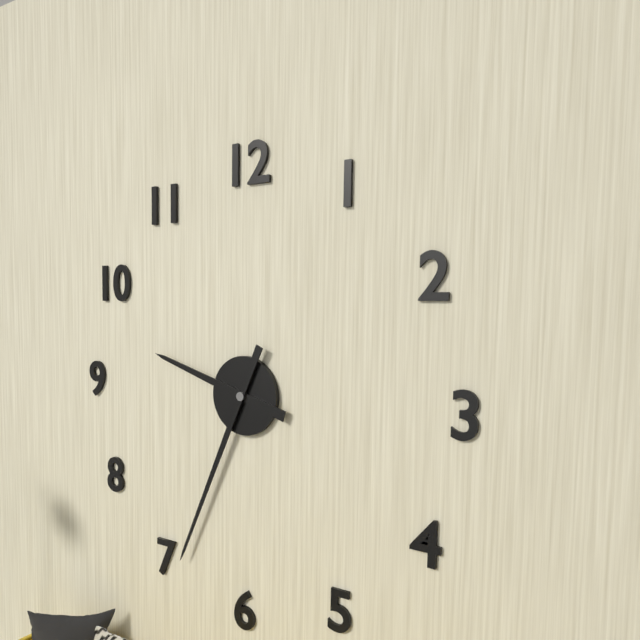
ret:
9:34
